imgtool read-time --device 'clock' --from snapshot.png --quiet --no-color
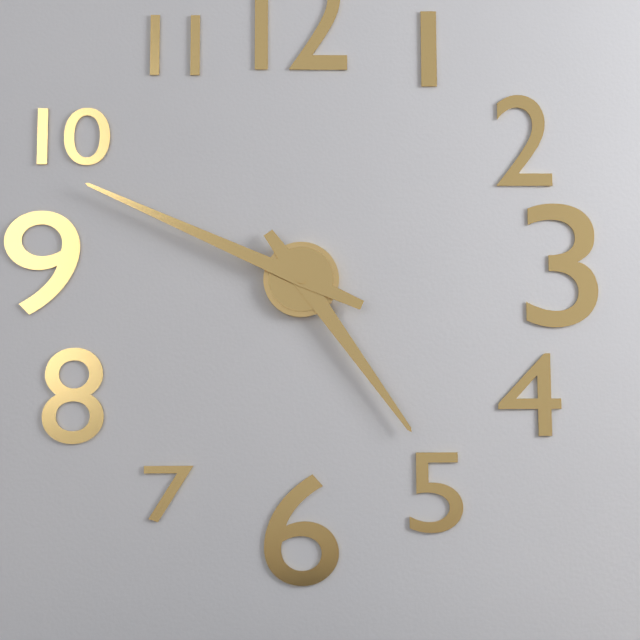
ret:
4:49
